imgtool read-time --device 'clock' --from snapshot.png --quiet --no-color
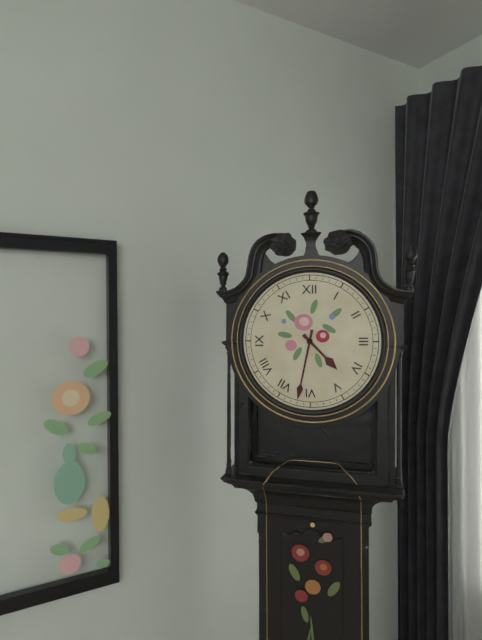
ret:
4:32
